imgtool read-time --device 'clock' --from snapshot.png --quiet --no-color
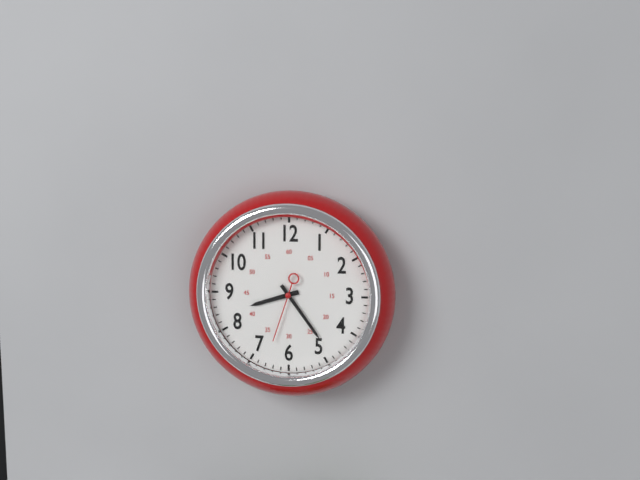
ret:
8:24:33
